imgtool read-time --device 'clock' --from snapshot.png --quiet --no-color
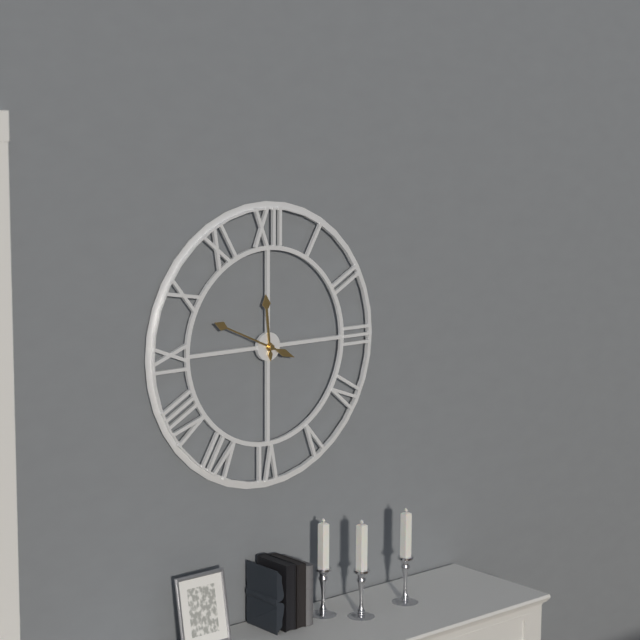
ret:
11:49
